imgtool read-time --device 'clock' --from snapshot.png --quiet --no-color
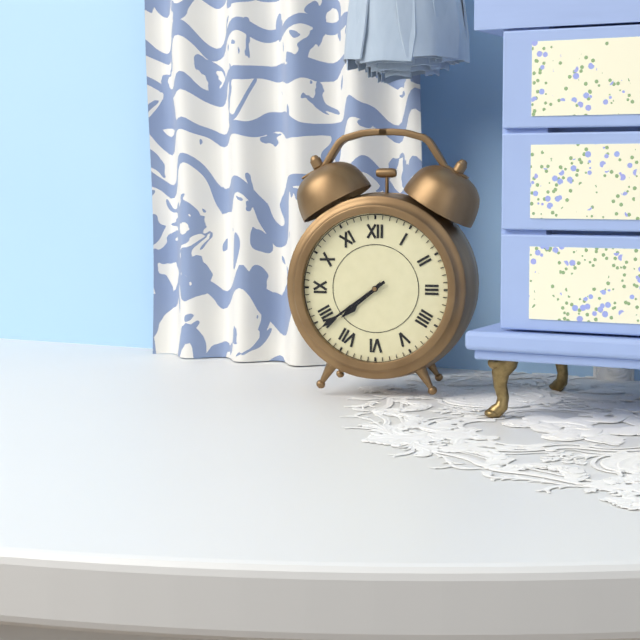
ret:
7:39
